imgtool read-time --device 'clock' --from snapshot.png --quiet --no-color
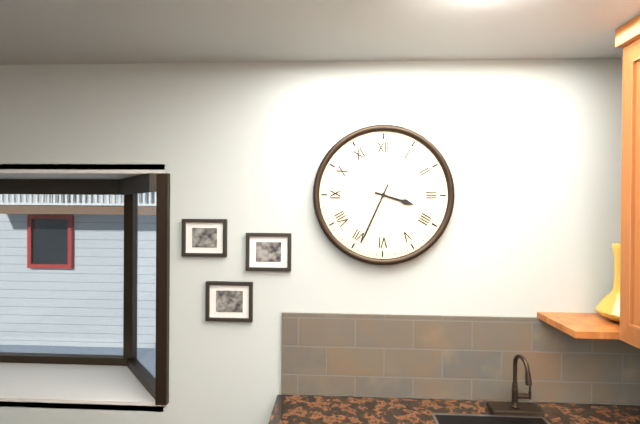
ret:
3:34
